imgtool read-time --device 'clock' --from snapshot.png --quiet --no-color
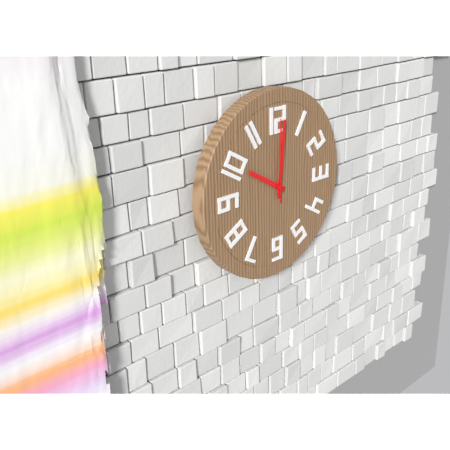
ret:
10:01:00
